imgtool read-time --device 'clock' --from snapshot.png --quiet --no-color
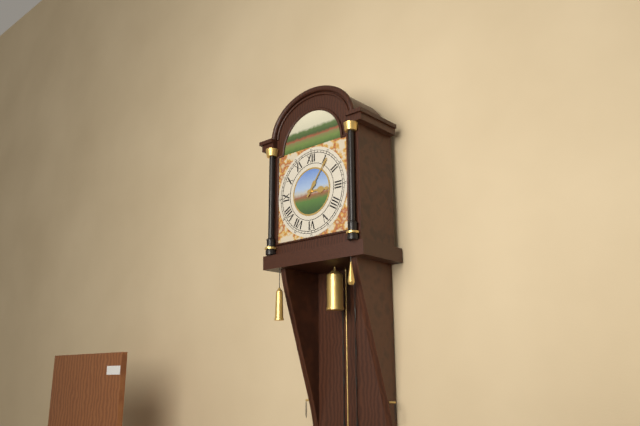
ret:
3:06
